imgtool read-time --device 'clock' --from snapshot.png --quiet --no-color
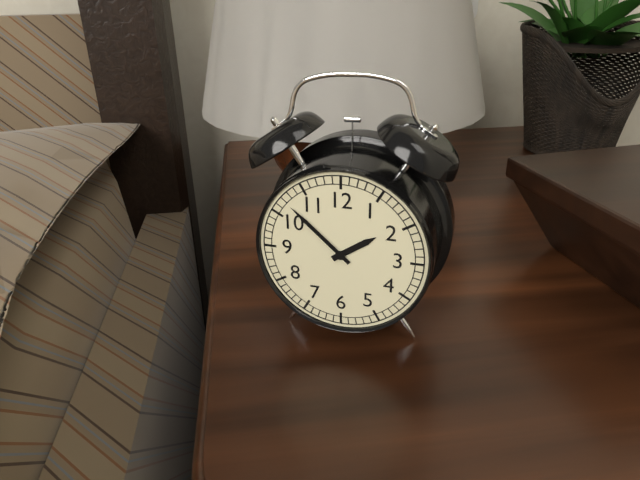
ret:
1:52
